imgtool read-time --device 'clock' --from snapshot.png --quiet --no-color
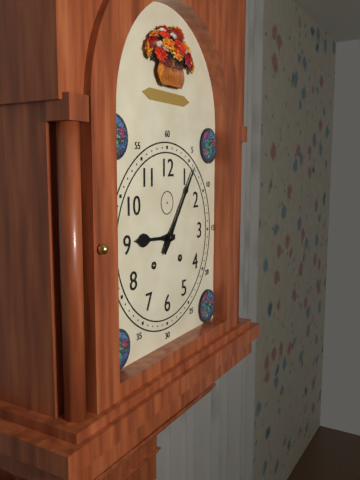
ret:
9:06
